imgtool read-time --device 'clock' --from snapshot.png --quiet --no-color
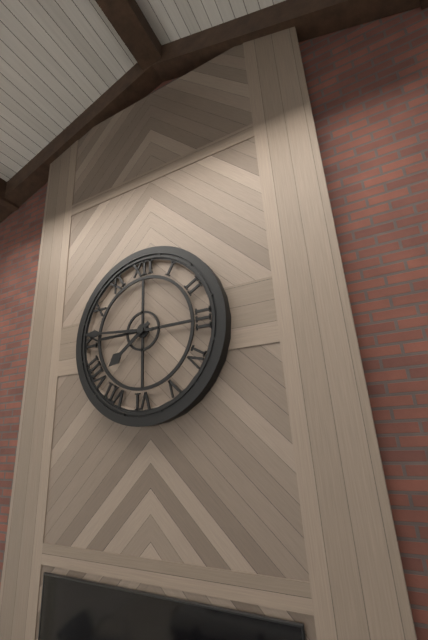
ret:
7:46
